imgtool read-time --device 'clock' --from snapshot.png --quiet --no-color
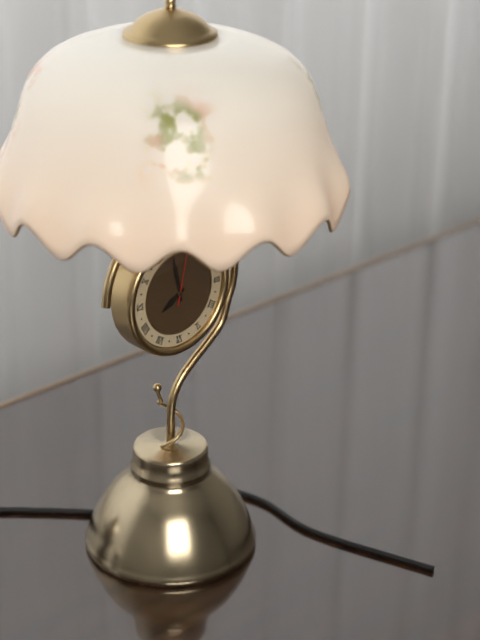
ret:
7:58:02
